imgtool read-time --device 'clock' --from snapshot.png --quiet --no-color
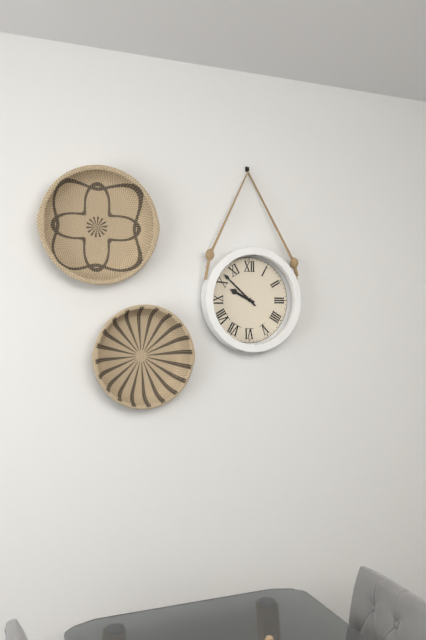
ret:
9:52
